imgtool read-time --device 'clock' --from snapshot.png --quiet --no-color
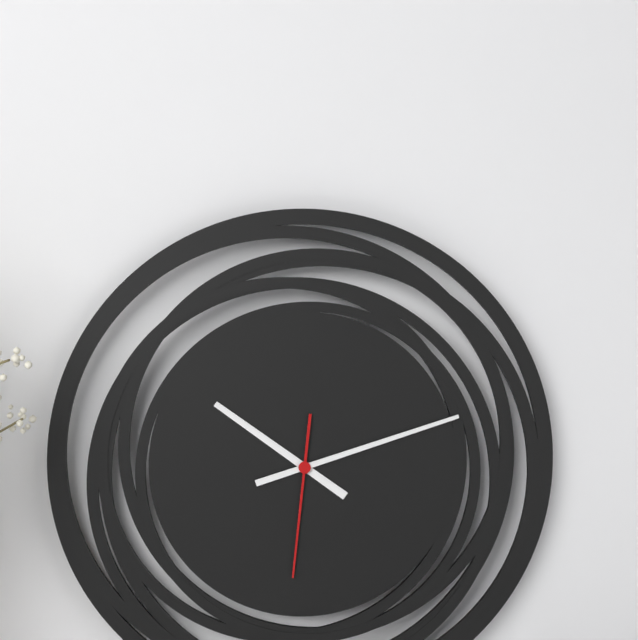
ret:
10:12:31
